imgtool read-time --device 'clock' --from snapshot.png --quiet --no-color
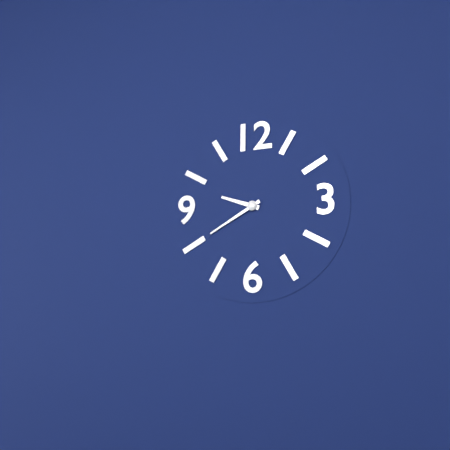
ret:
9:40
